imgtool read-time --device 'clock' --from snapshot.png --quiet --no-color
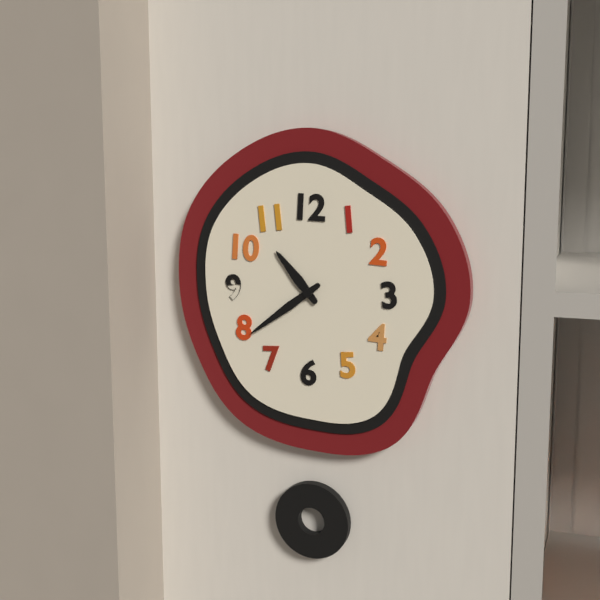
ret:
10:39
